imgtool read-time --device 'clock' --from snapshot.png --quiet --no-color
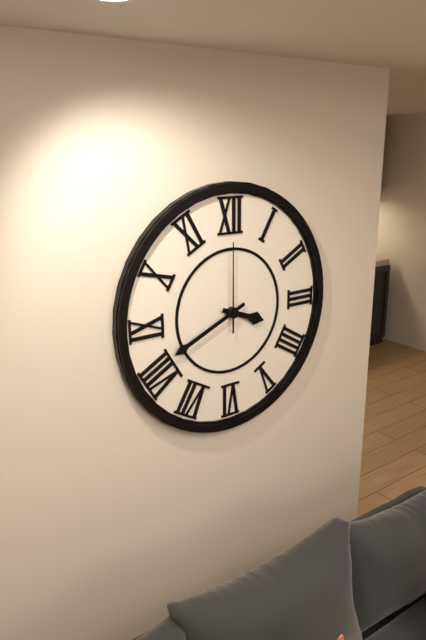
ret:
3:41:00
